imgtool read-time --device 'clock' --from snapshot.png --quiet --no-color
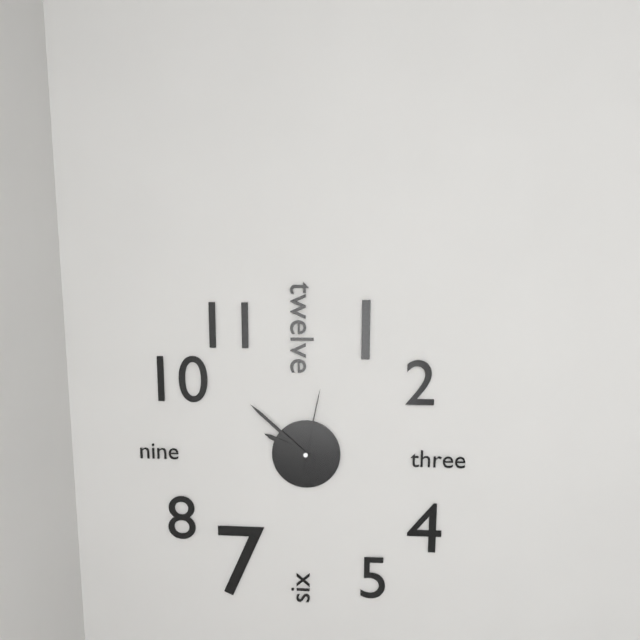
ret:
9:52:02
